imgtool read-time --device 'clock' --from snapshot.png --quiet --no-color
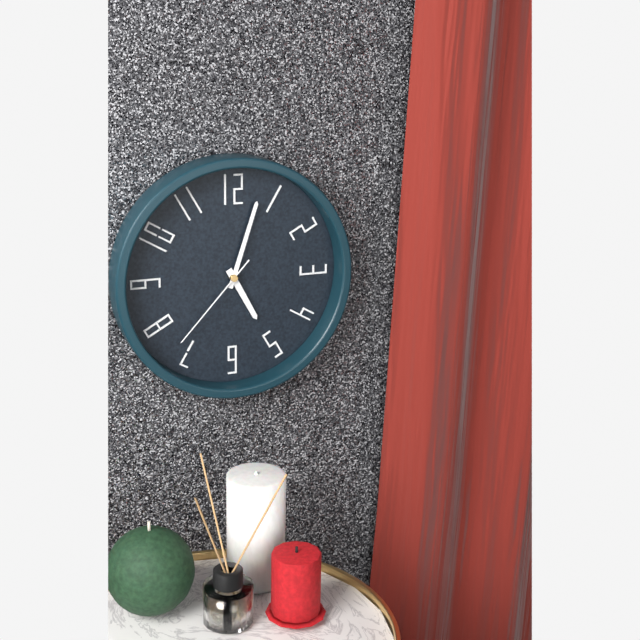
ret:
5:03:37
